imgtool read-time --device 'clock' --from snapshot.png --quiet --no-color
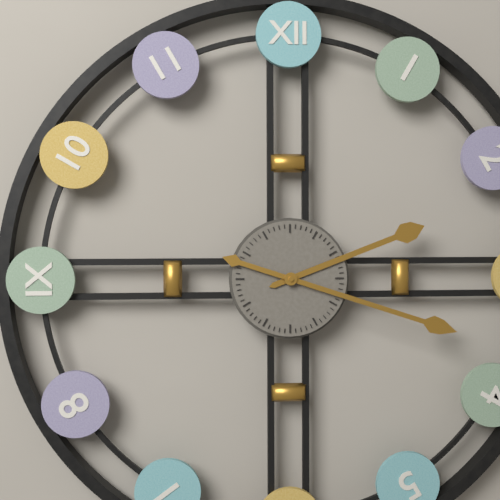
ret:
2:18
